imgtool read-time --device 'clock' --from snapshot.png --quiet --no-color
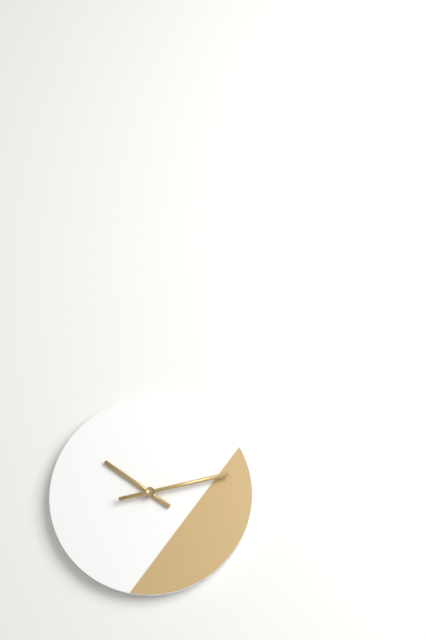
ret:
10:13
